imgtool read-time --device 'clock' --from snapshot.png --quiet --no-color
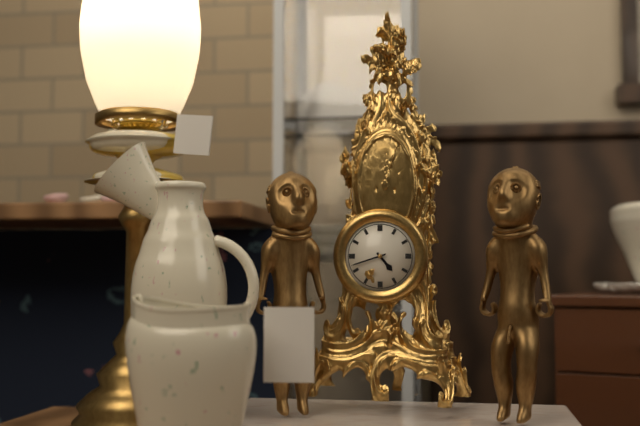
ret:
4:42
